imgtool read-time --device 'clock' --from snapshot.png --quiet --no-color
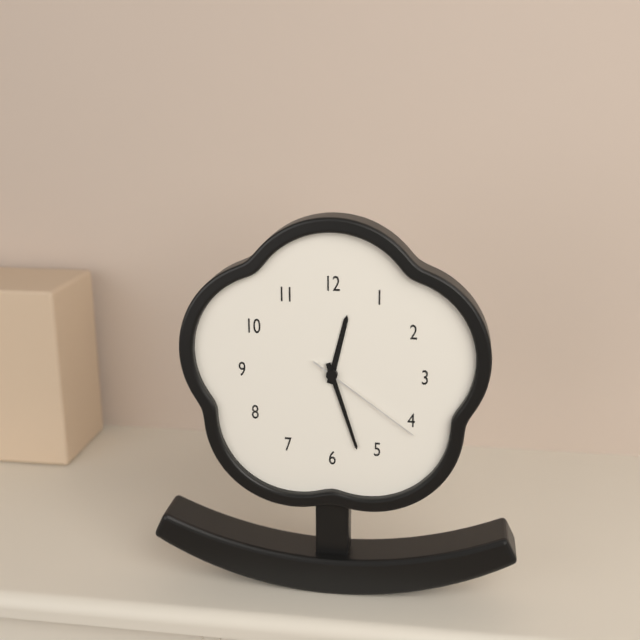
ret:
12:27:21
